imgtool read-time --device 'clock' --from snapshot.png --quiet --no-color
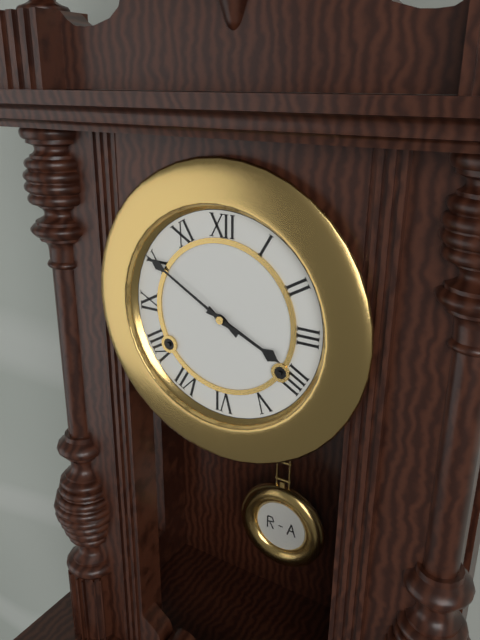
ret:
3:50
